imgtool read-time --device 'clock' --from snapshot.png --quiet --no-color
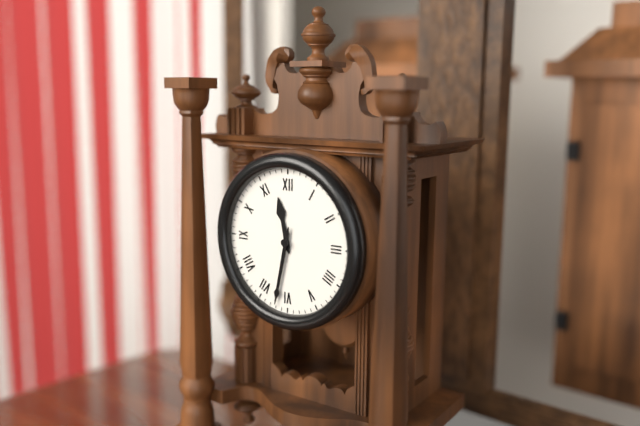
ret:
11:32
